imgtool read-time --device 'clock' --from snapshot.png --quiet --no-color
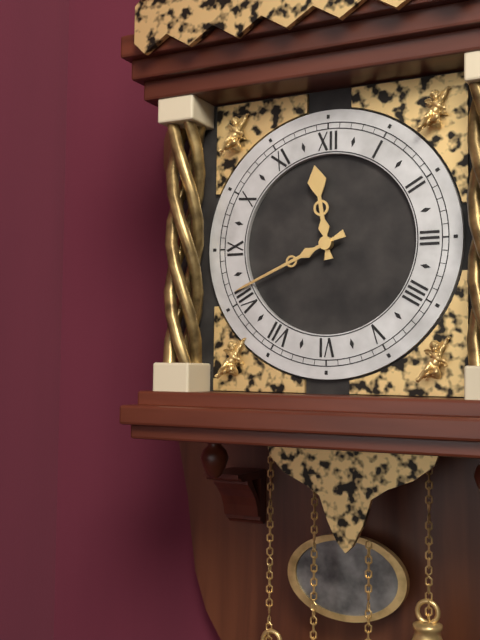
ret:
11:41
